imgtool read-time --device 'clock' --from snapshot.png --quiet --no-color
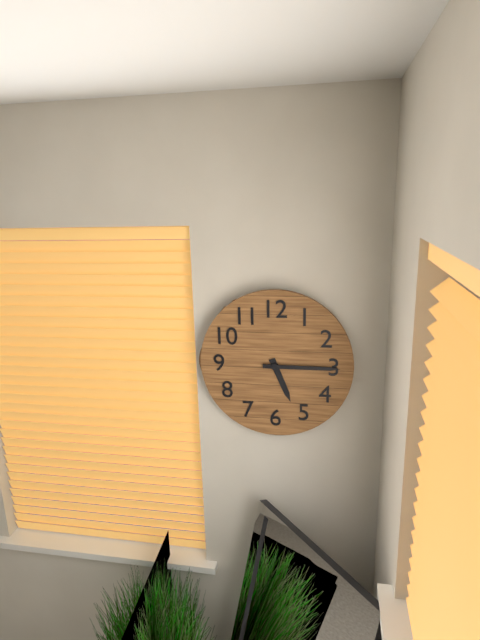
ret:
5:15
